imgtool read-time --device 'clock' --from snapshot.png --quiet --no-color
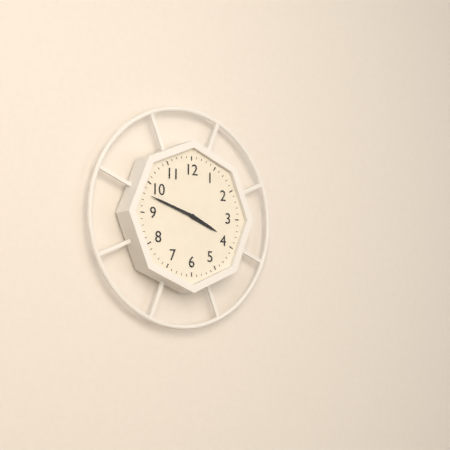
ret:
3:48
